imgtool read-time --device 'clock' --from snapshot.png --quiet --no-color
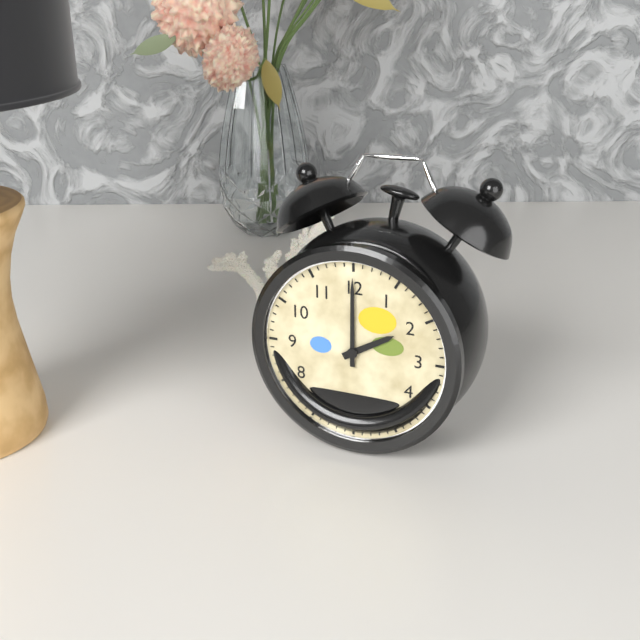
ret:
2:00
